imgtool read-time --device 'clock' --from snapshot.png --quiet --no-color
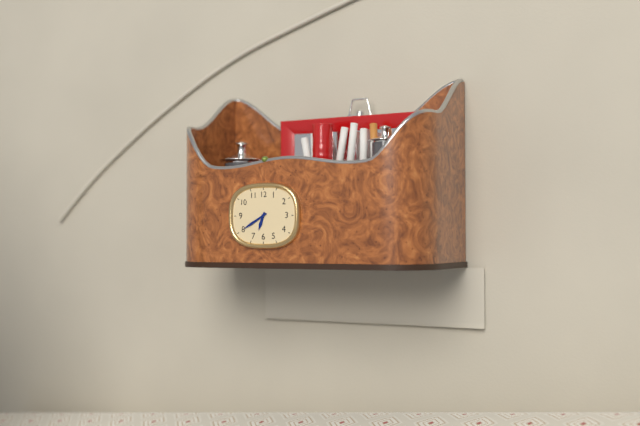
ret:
6:40
